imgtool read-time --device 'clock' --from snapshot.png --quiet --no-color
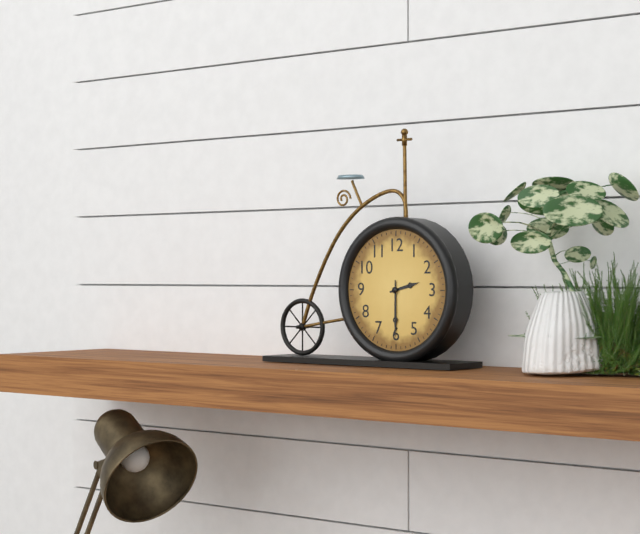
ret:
2:30
